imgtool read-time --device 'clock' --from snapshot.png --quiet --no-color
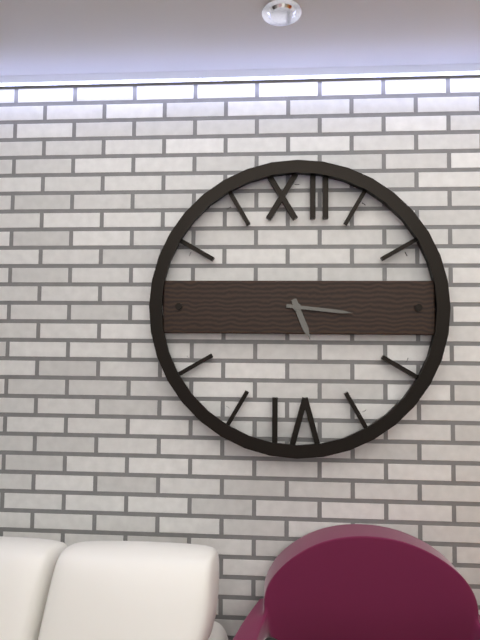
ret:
5:16
